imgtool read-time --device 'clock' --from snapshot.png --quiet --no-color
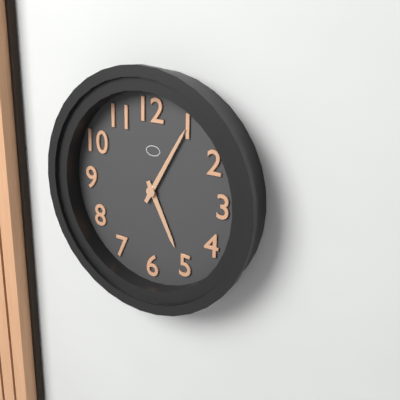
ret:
5:05
